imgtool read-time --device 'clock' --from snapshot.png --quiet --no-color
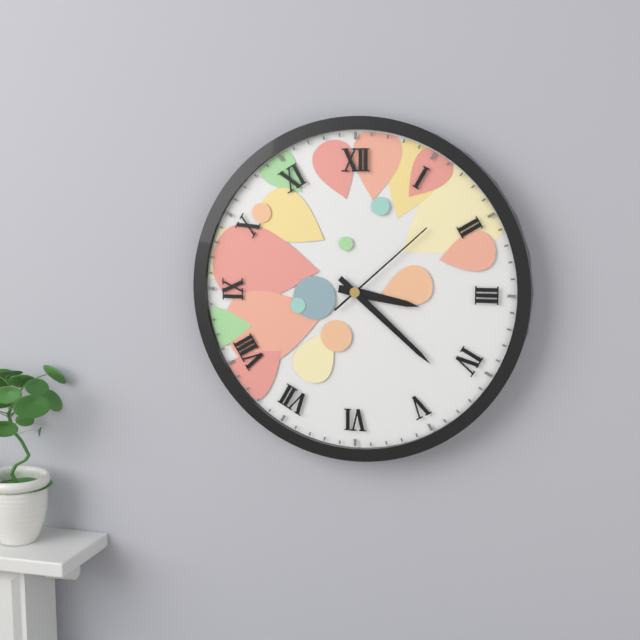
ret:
3:22:08
